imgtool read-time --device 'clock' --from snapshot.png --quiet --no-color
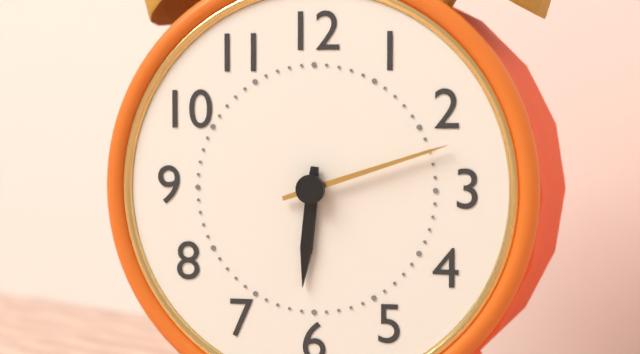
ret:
6:12
